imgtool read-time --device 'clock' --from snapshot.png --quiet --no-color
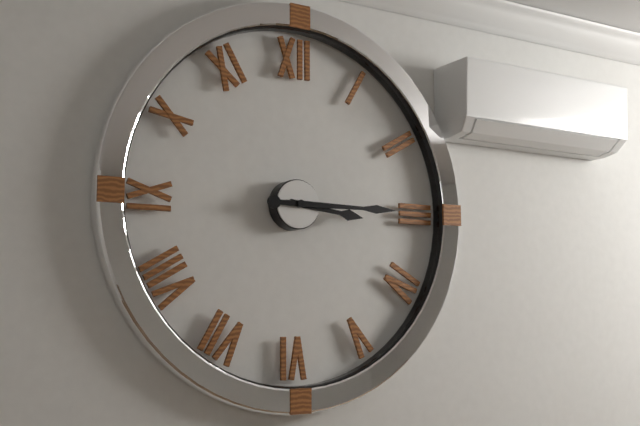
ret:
3:15
